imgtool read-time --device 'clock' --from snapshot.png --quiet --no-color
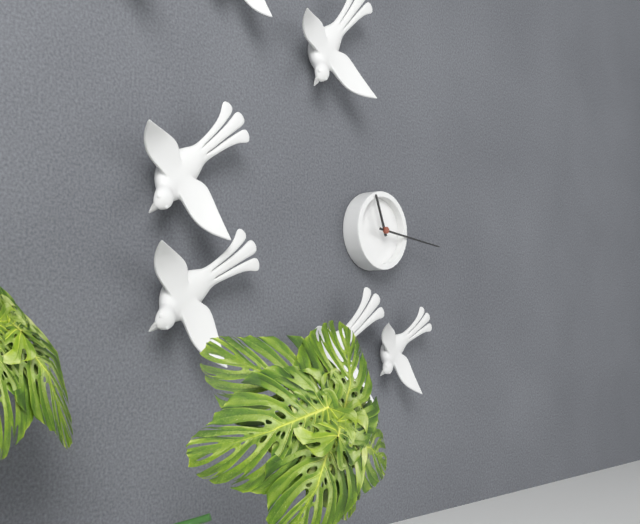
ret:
11:16
